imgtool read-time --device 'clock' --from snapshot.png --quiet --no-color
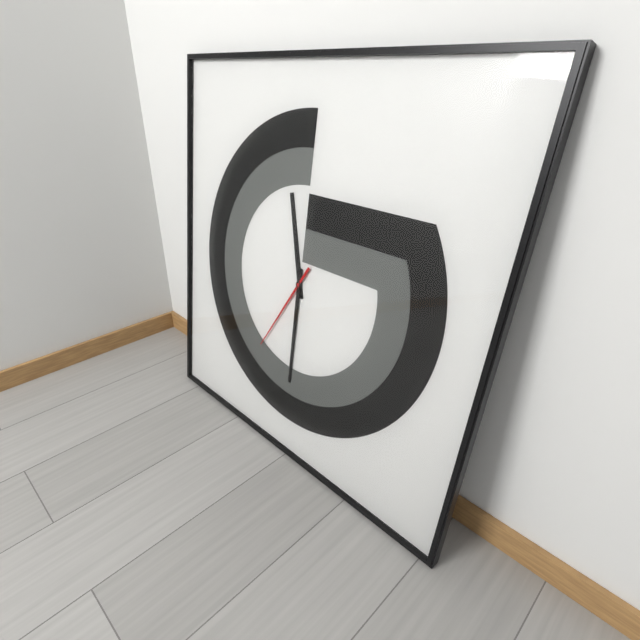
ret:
11:30:35
